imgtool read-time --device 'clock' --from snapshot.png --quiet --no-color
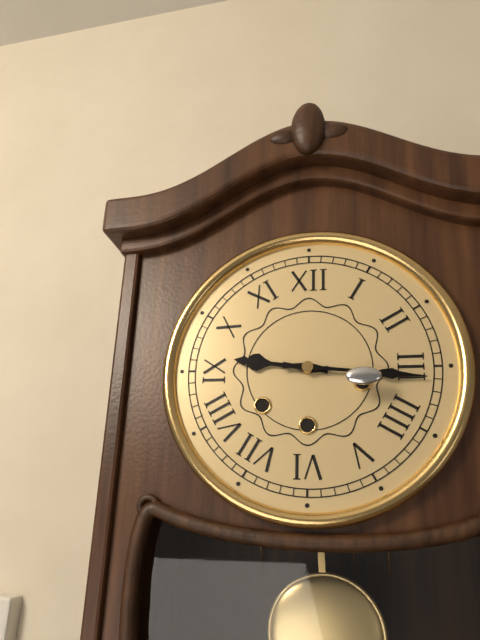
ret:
9:16
